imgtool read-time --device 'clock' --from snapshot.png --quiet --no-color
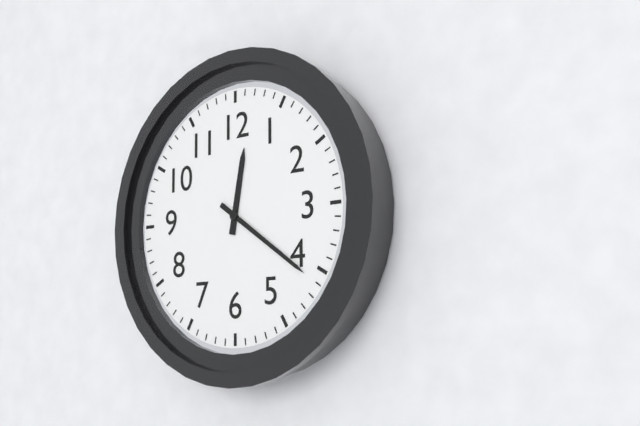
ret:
12:21
